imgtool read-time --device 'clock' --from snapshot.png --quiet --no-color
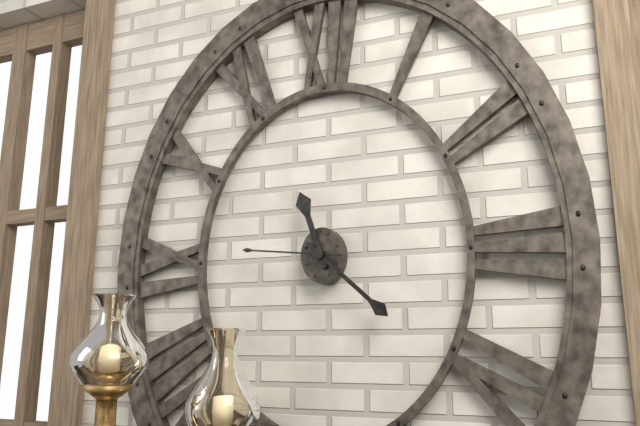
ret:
11:22:46
